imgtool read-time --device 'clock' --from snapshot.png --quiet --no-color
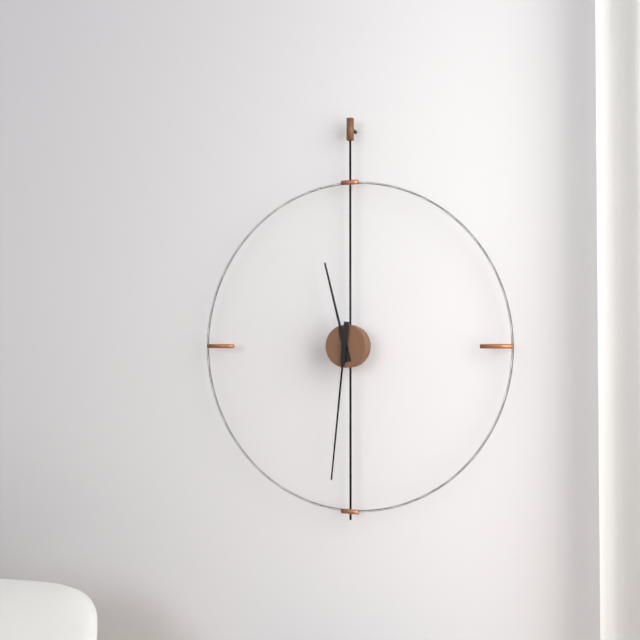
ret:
11:31
